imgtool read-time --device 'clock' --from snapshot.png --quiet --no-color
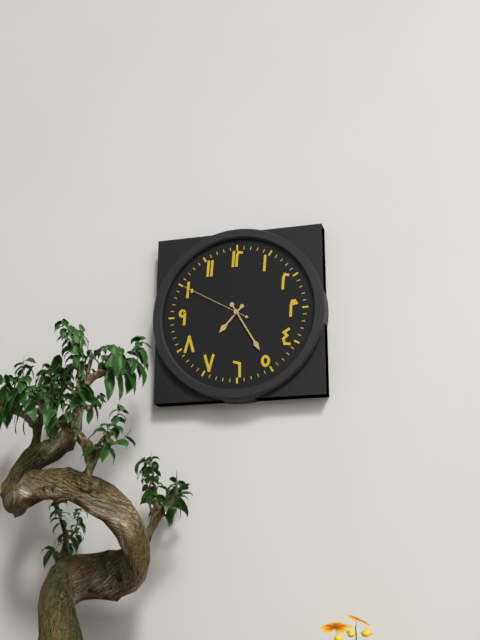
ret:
7:25:50
